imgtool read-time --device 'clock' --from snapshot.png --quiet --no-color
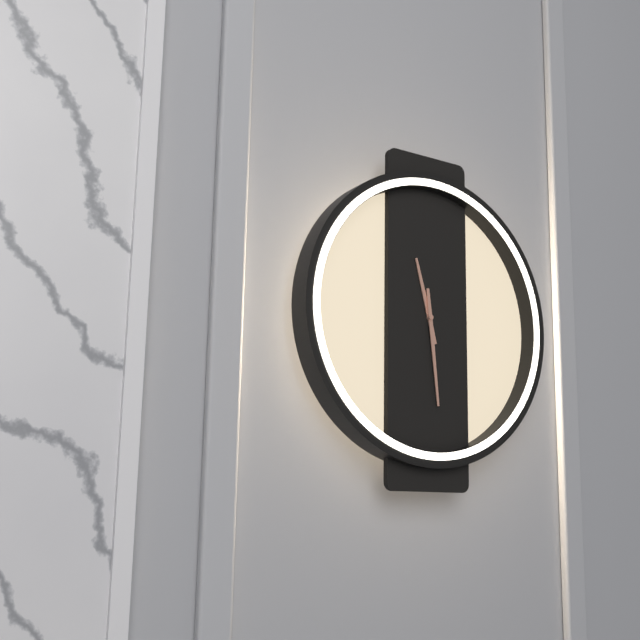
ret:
11:29
